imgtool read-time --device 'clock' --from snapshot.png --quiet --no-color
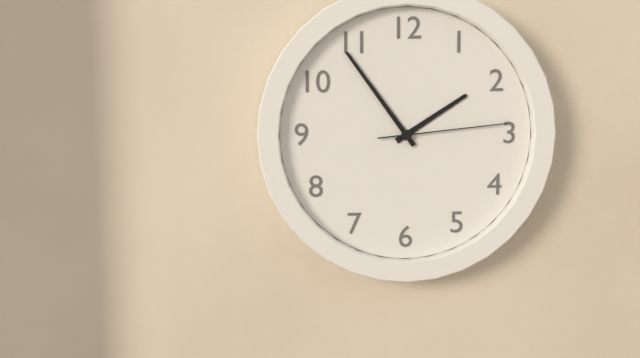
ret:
1:54:14
